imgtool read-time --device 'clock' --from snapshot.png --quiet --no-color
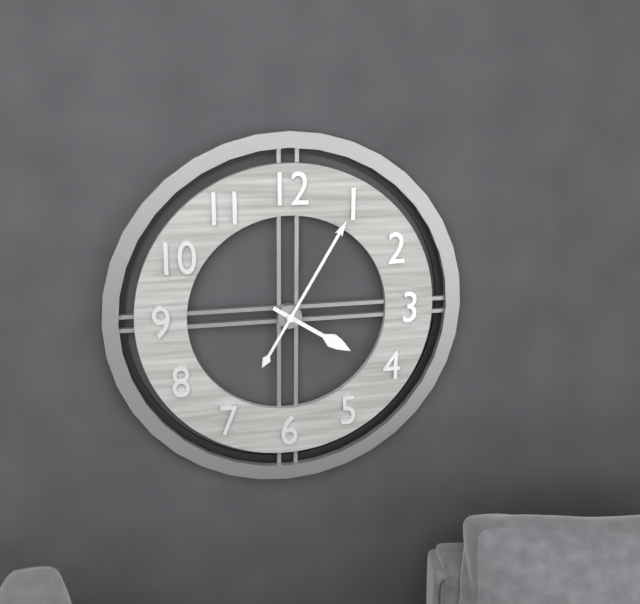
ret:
4:05
